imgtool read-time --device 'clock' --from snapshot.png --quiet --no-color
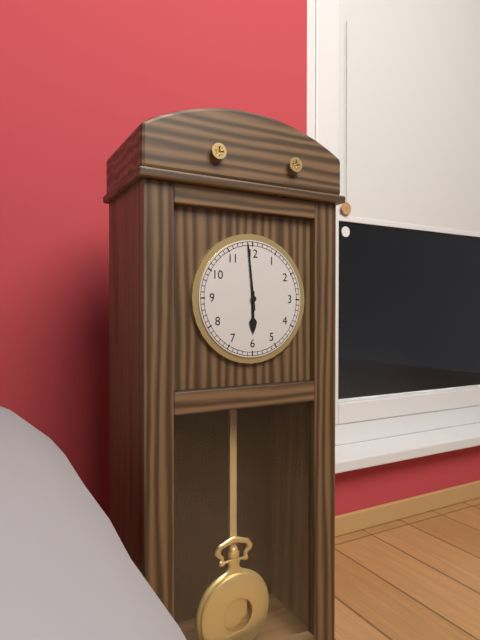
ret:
5:59
